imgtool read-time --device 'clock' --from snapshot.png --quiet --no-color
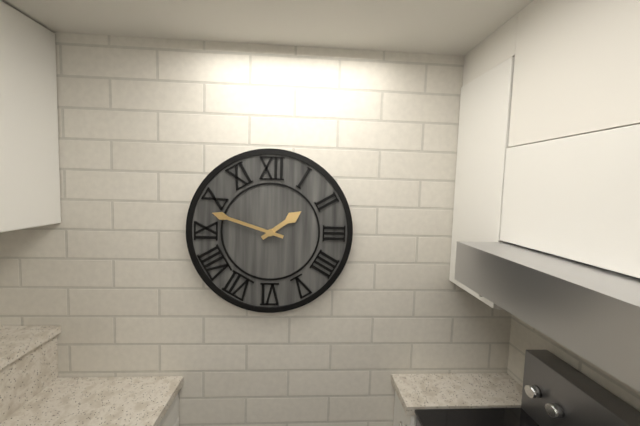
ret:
1:48
